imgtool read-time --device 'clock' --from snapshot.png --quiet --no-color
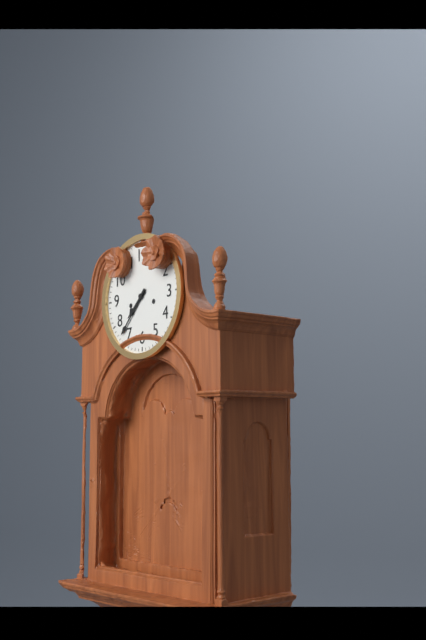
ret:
7:37
